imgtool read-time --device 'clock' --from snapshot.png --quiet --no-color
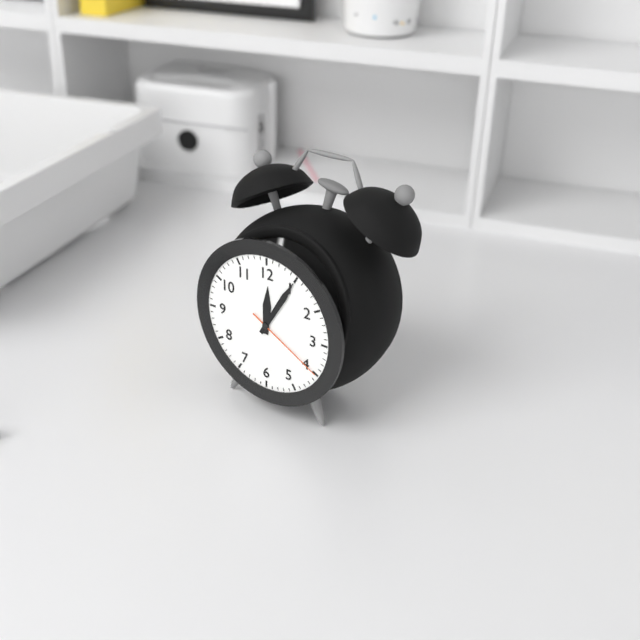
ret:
12:05:20
